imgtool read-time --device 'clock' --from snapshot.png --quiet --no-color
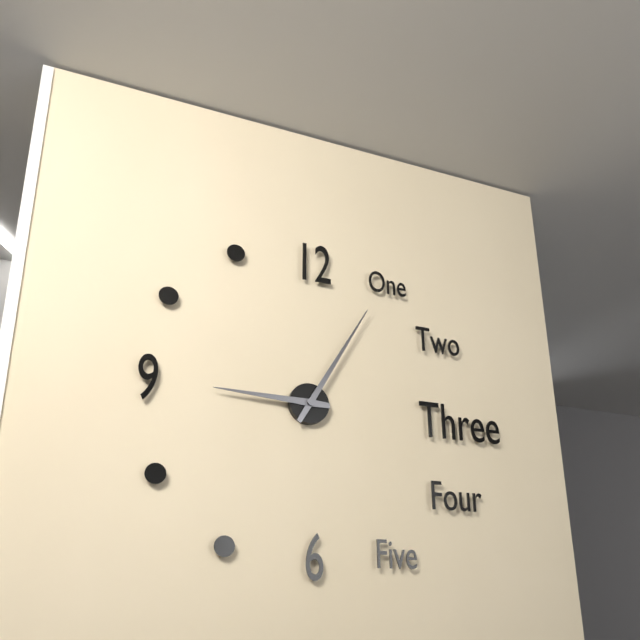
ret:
9:05
